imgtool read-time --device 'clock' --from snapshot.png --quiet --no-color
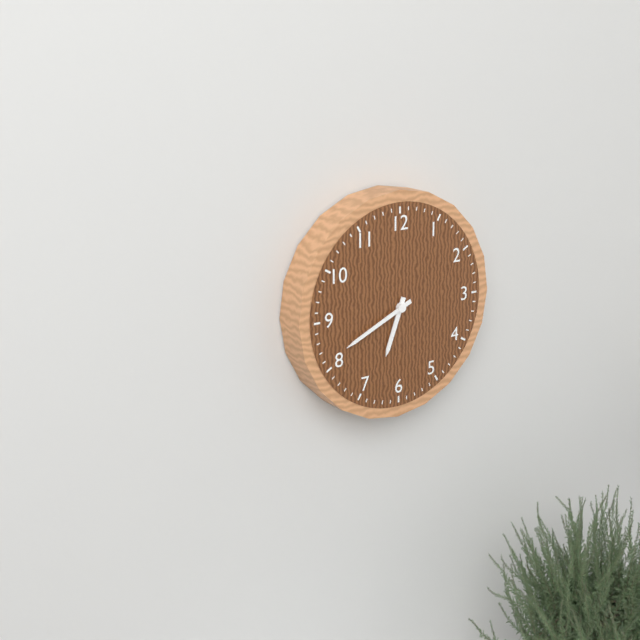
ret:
6:41
